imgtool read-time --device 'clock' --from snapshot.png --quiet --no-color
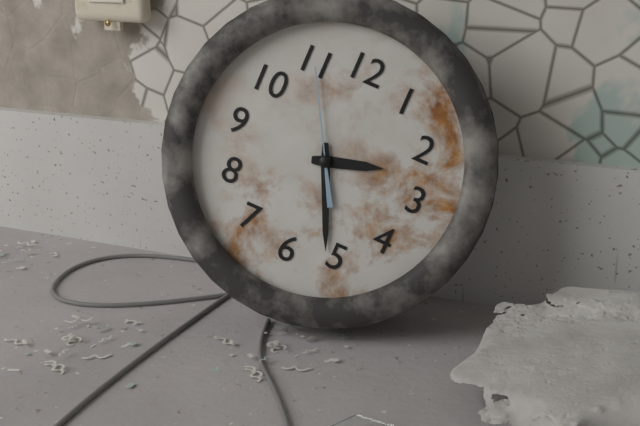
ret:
2:26:55
